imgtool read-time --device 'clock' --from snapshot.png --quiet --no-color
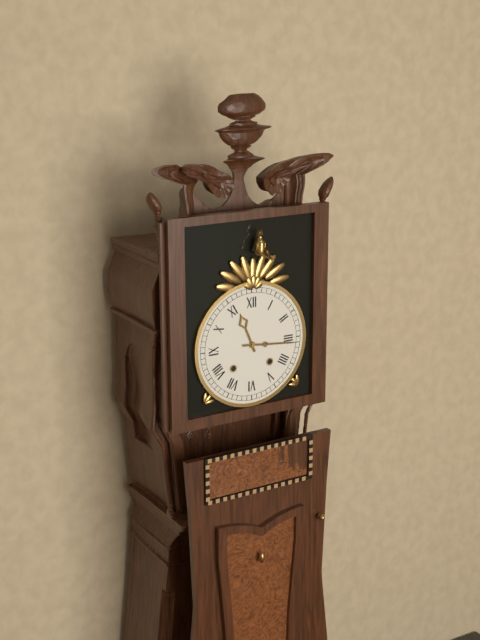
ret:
11:16
